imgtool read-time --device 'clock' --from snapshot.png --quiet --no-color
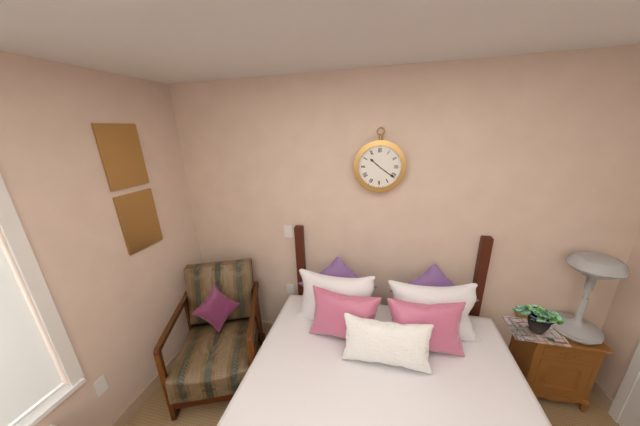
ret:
10:21
